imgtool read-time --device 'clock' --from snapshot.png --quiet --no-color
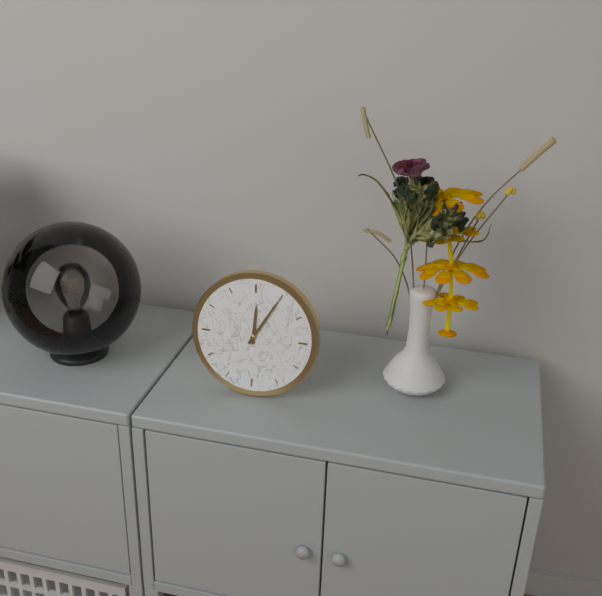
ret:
12:05
